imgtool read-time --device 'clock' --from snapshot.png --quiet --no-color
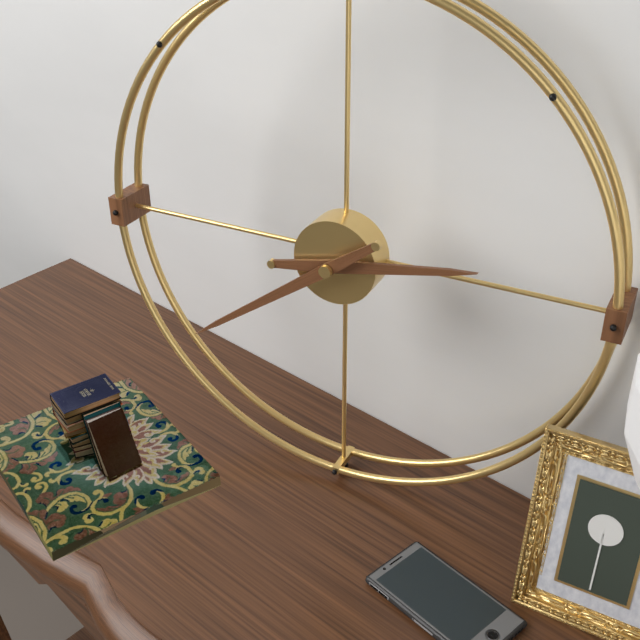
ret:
2:39
